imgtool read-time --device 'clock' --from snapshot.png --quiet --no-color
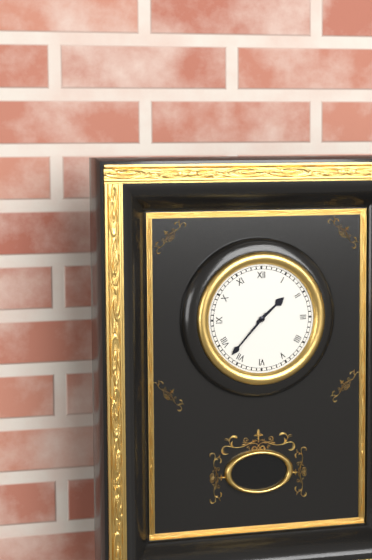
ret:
1:37
